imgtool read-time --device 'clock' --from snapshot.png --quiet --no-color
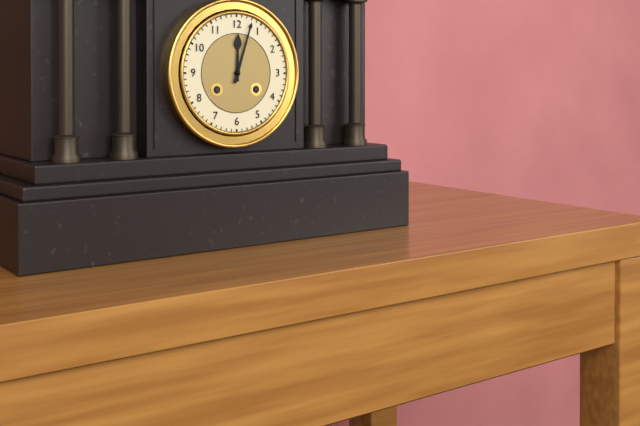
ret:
12:03
